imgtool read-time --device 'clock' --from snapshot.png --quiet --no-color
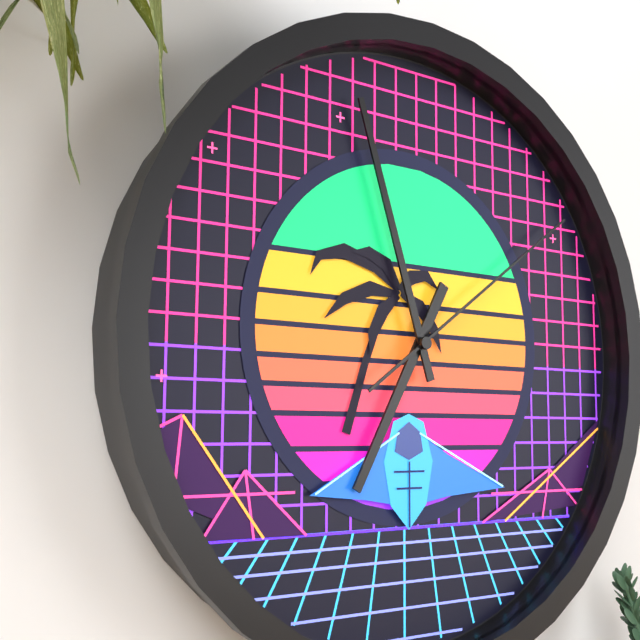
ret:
6:57:09
